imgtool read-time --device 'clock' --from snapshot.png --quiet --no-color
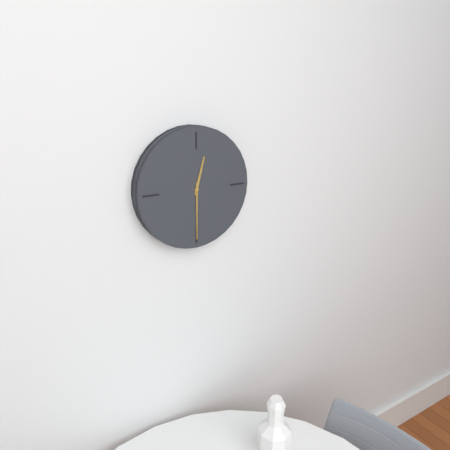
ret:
12:30
